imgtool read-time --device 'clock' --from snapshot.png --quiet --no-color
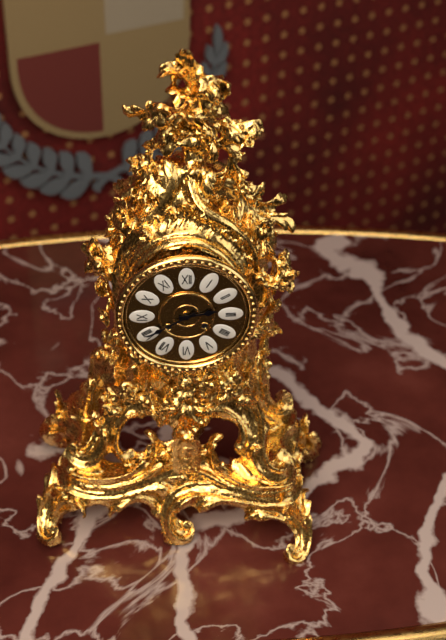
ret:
2:40
